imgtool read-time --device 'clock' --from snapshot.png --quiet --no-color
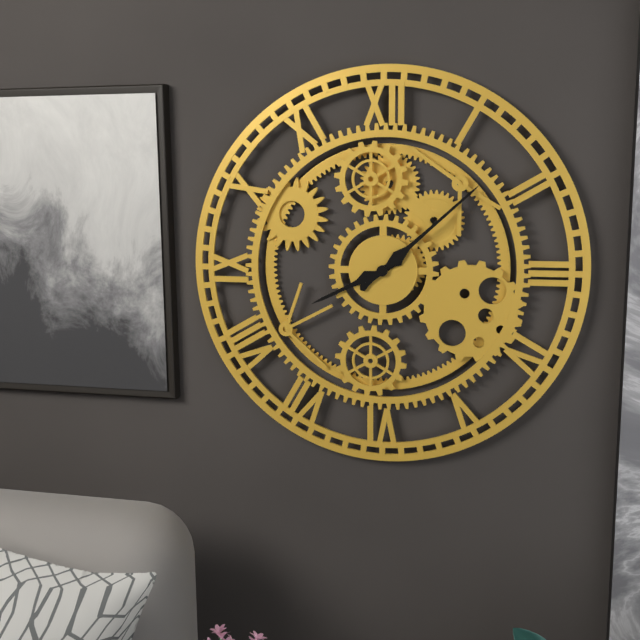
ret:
8:08
